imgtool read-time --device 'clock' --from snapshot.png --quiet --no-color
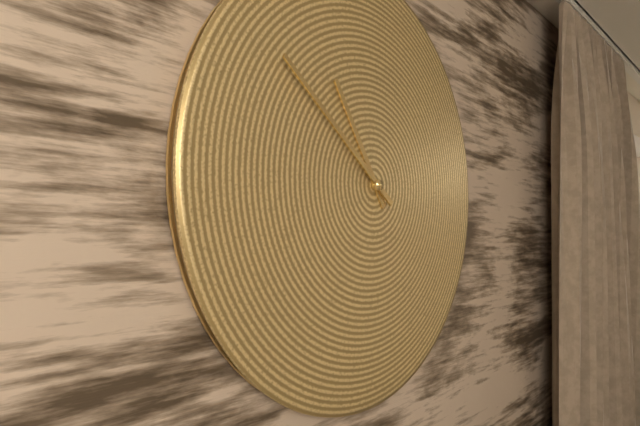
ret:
10:51
